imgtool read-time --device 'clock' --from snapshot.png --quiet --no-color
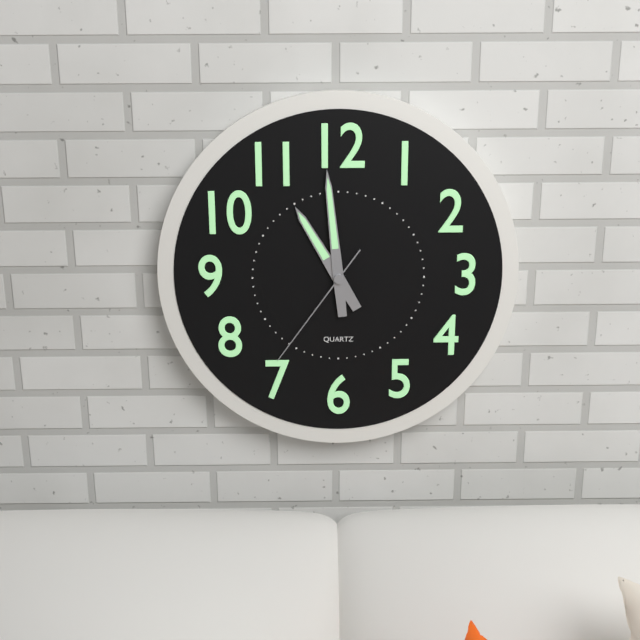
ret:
10:59:36
